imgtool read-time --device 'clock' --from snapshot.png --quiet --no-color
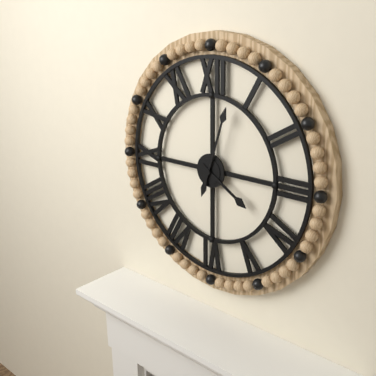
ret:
4:03
